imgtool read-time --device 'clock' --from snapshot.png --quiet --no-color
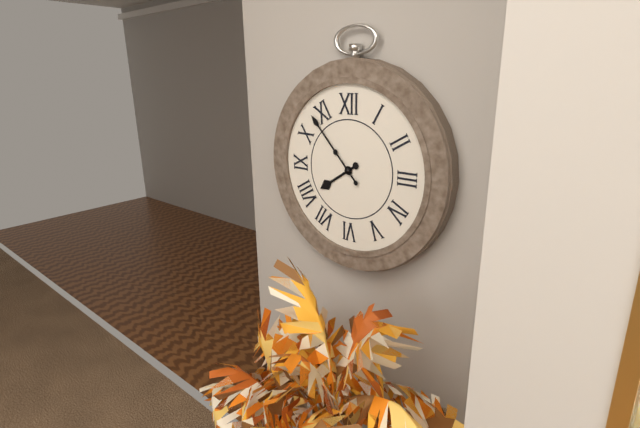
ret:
7:53
